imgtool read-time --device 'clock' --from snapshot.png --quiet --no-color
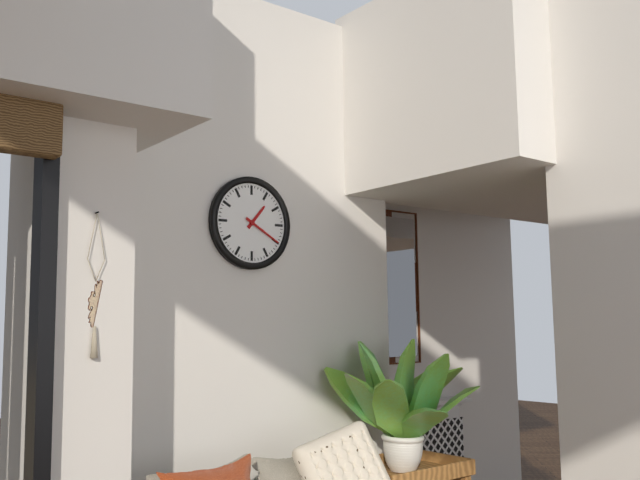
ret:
1:20
